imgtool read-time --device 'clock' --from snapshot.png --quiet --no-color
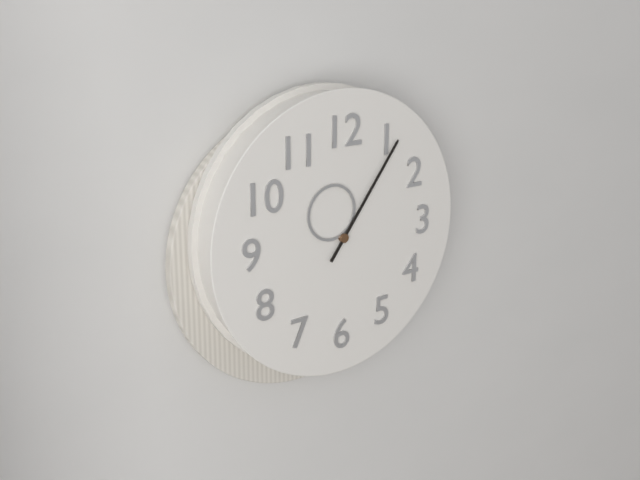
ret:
11:06
